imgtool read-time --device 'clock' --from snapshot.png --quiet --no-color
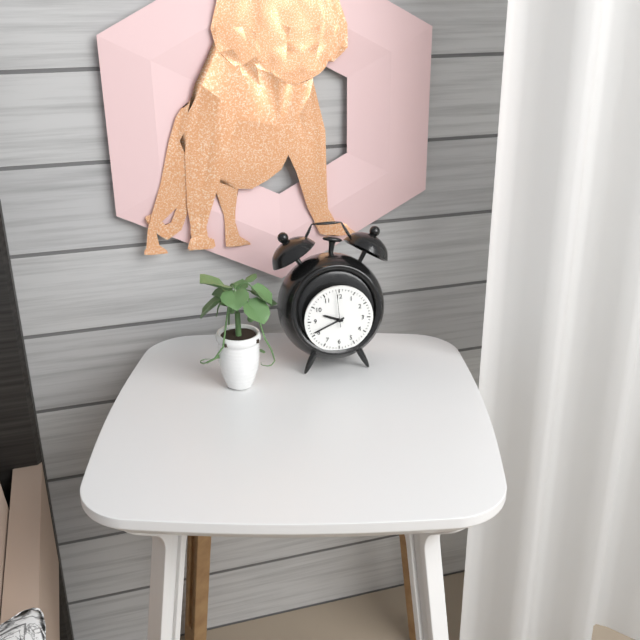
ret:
9:41
